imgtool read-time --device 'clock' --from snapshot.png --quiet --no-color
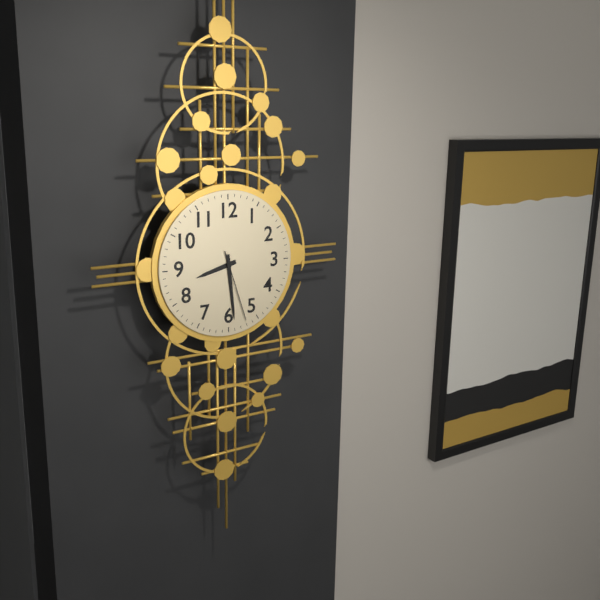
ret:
8:29:27
